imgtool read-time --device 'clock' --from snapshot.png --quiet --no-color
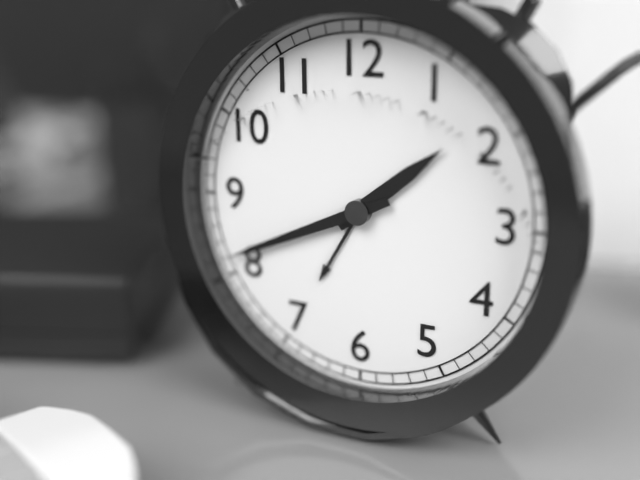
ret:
1:41
